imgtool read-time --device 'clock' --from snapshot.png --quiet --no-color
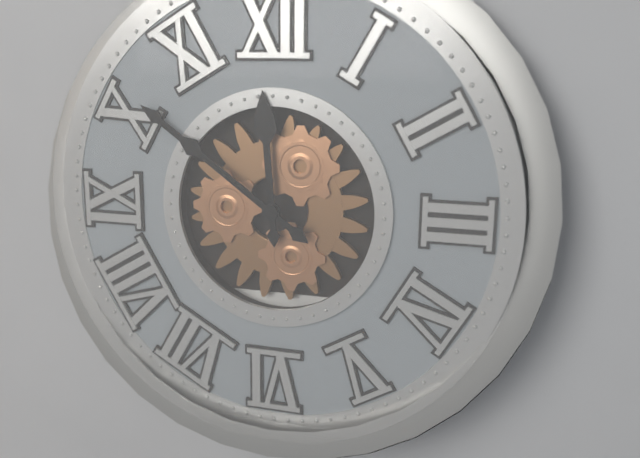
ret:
11:51
